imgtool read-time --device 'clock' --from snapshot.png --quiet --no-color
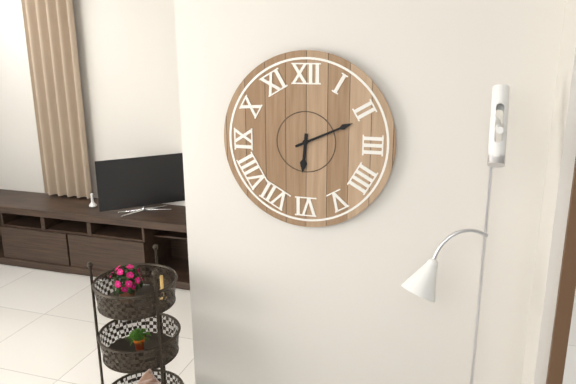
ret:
6:11
